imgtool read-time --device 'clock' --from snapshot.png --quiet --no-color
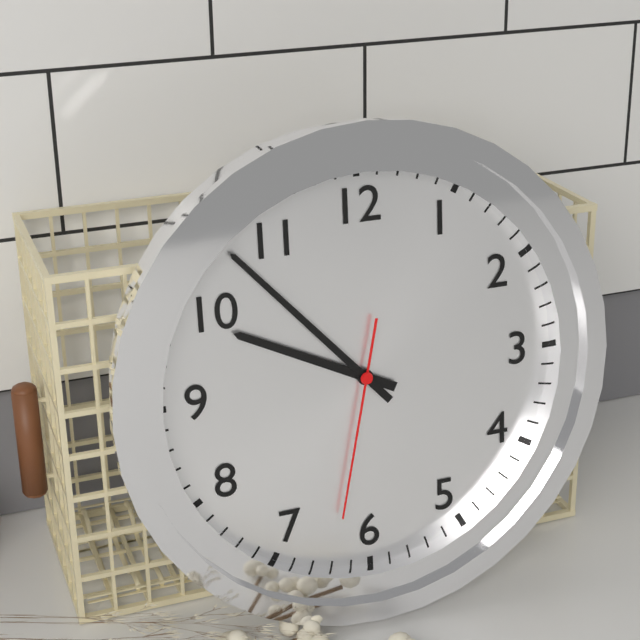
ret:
9:53:32
